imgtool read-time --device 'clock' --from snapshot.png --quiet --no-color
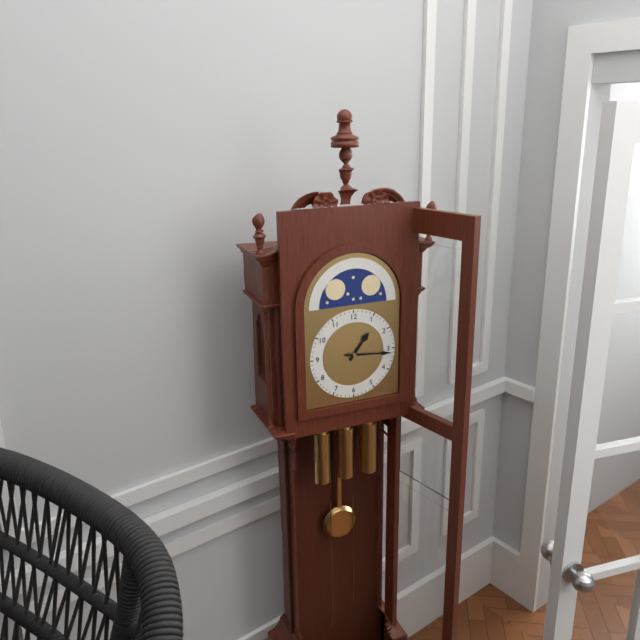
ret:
1:16
